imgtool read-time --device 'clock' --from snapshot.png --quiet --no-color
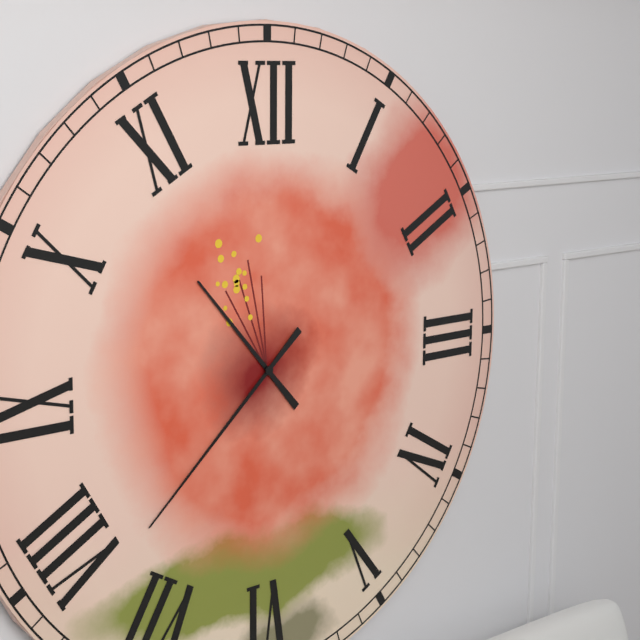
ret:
10:38
